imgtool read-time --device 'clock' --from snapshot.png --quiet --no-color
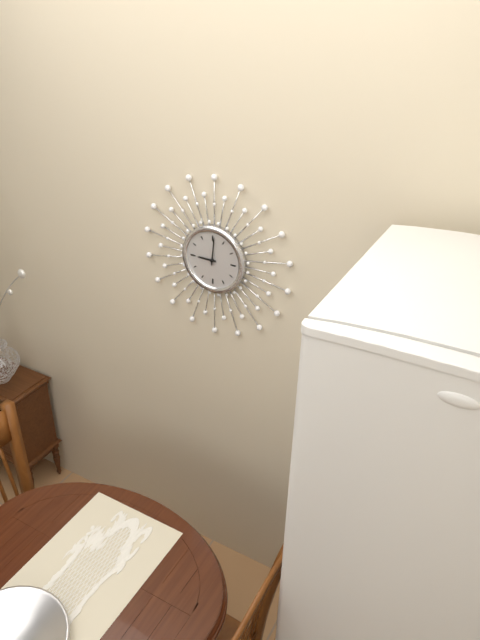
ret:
9:01
